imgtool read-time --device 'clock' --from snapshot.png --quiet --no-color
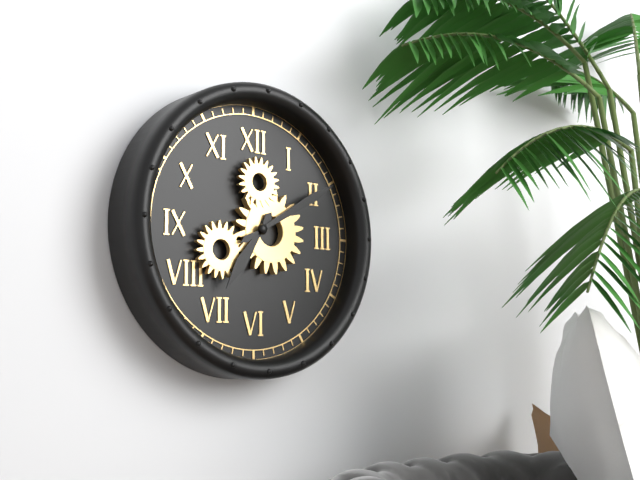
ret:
7:10
